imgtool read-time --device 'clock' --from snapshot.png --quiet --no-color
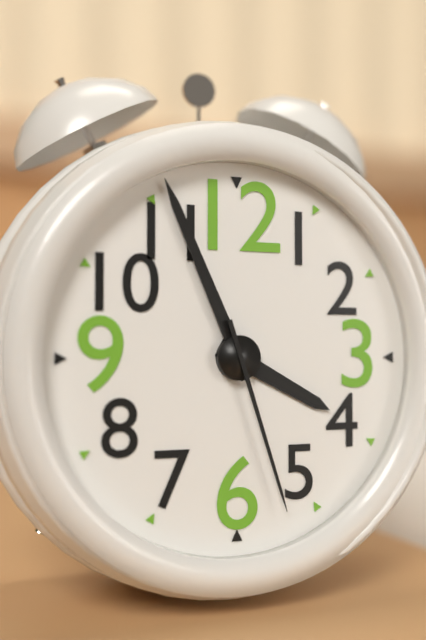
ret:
3:56:27
